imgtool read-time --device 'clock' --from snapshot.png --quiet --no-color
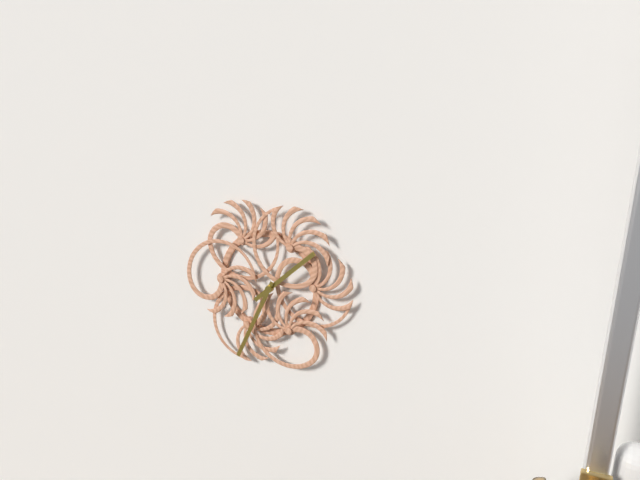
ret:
1:34
